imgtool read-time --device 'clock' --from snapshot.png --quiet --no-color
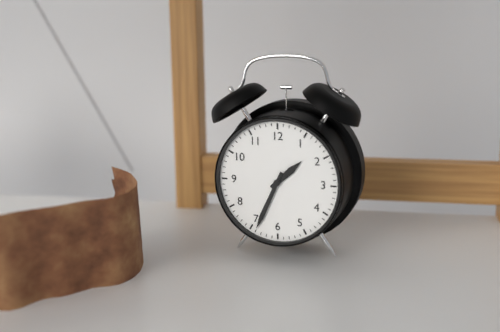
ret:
1:34
